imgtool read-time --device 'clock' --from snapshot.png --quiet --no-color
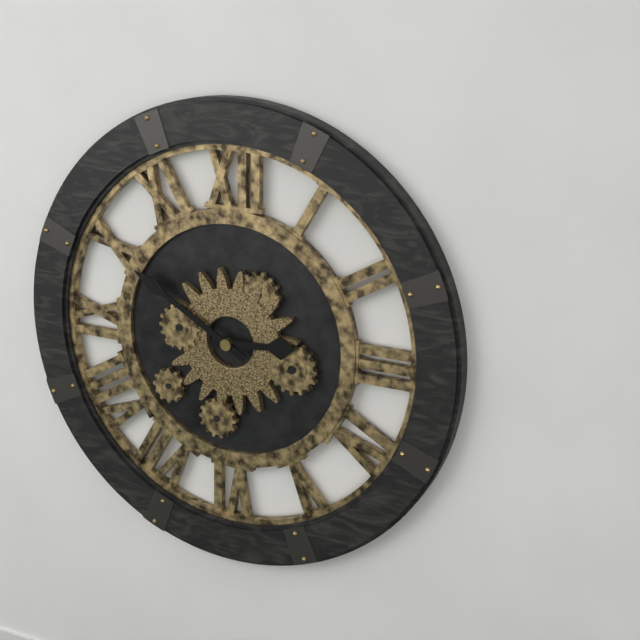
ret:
2:50
